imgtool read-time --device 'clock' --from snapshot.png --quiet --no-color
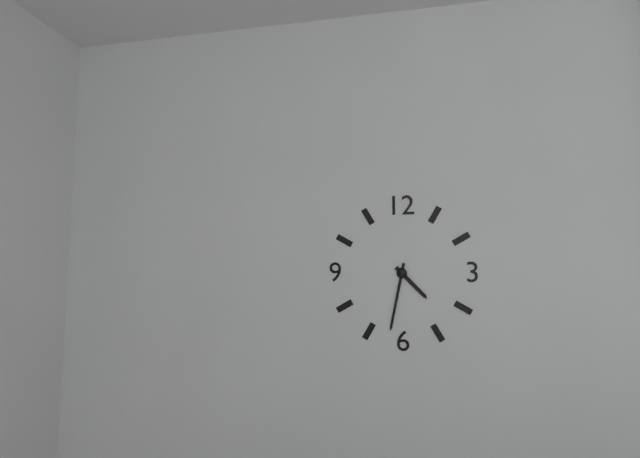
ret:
4:32
